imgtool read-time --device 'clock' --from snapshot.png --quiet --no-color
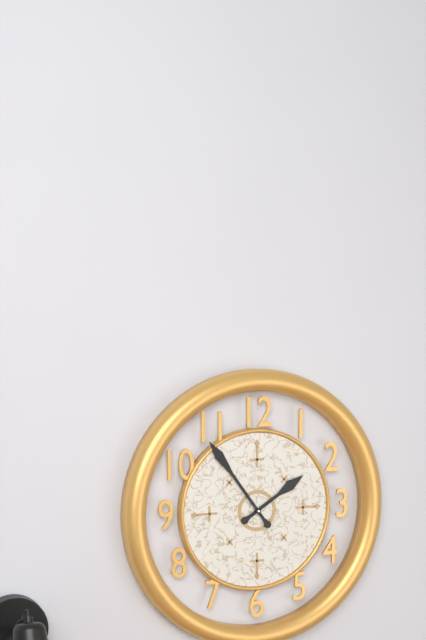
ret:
1:54
